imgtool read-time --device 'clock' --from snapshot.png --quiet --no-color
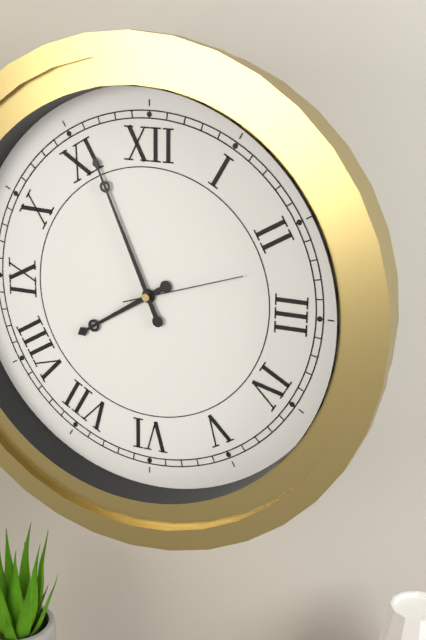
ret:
7:56:12
